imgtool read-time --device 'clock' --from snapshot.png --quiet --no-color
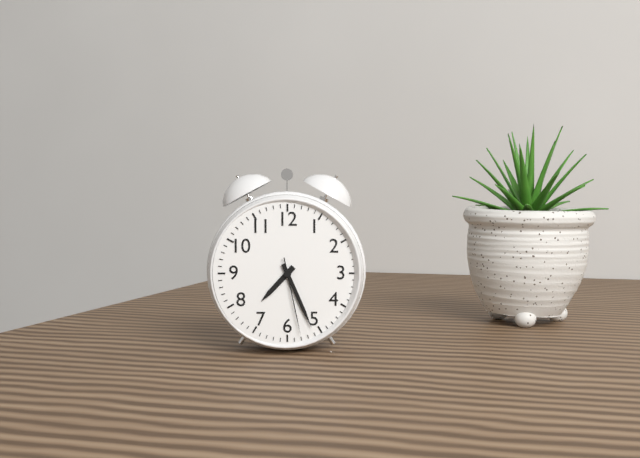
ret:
7:26:28
